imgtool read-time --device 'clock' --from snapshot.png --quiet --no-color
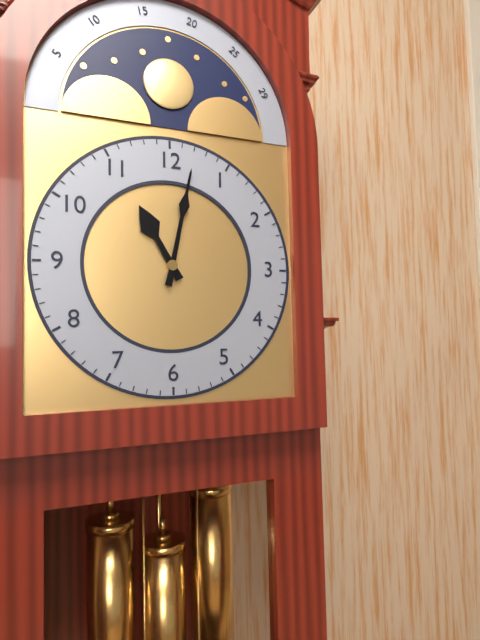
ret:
11:02
